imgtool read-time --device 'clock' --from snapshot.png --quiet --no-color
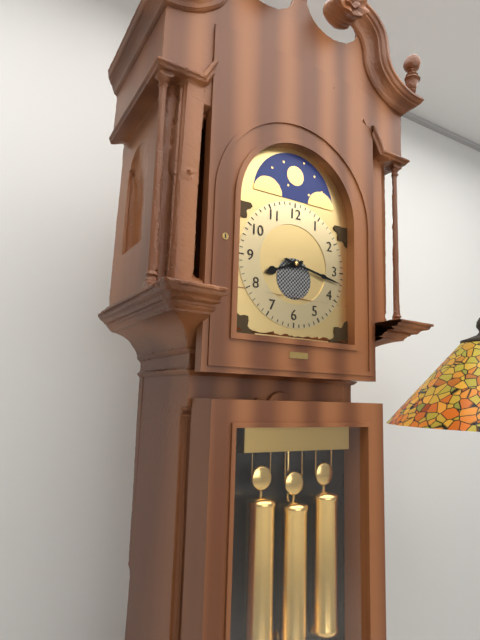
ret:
8:17
